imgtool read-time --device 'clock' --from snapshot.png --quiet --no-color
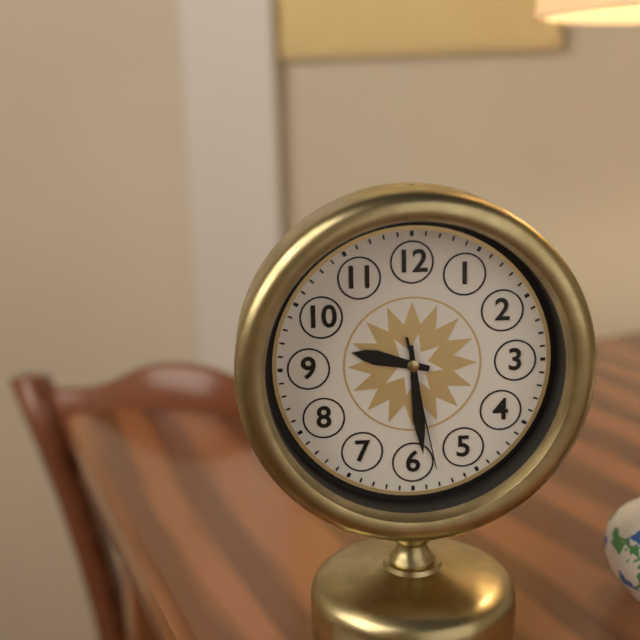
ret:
9:29:28
